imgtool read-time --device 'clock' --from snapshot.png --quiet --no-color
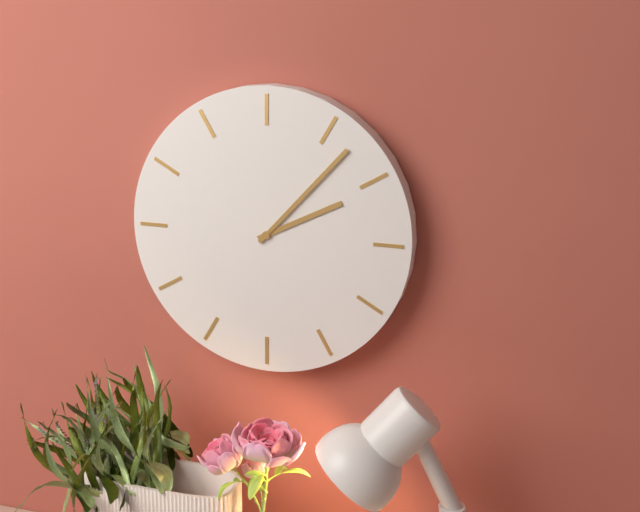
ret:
2:07
